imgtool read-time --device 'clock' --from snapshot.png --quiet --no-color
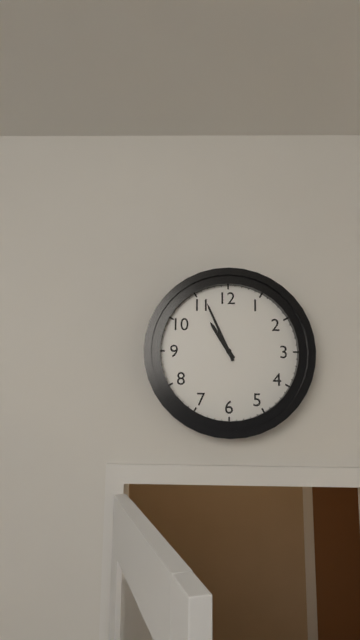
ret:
10:56
